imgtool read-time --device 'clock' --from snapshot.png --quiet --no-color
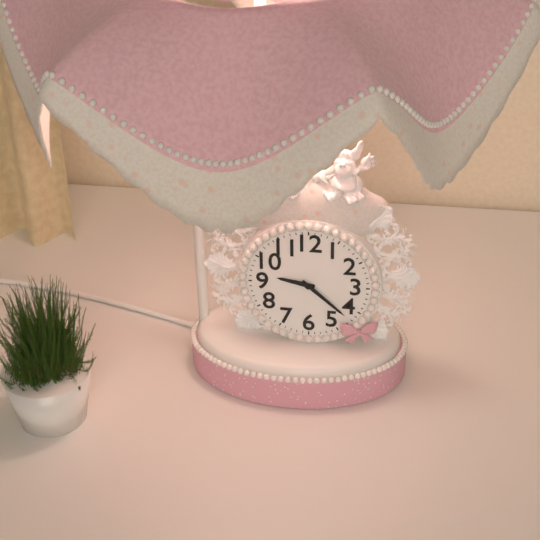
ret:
9:22
